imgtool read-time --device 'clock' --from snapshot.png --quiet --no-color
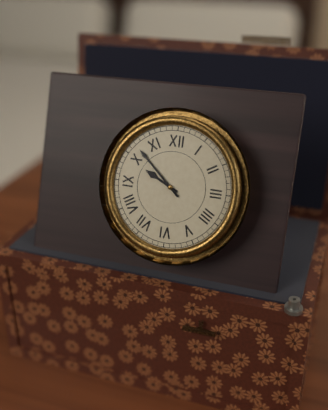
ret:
9:52
